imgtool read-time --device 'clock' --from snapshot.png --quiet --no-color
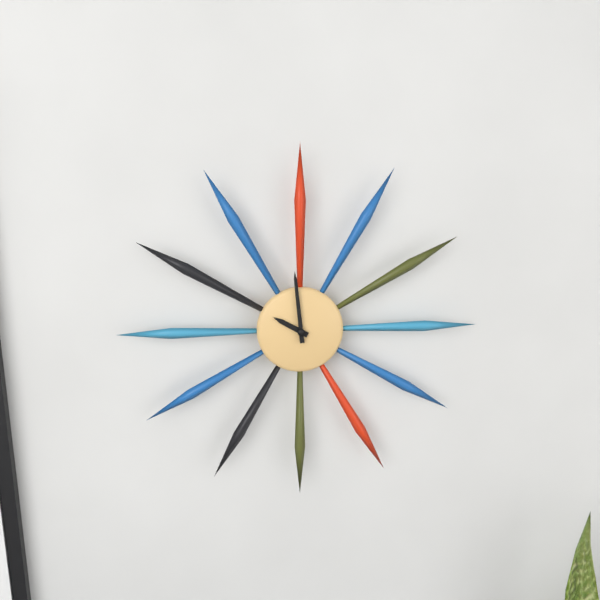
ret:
9:59
